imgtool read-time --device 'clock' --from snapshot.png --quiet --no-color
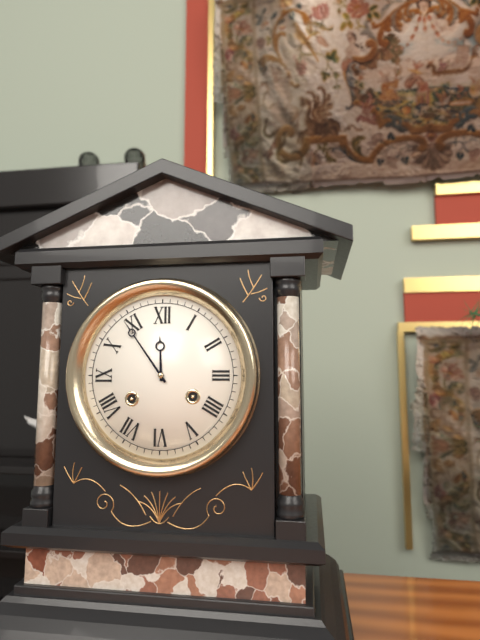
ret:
11:54
